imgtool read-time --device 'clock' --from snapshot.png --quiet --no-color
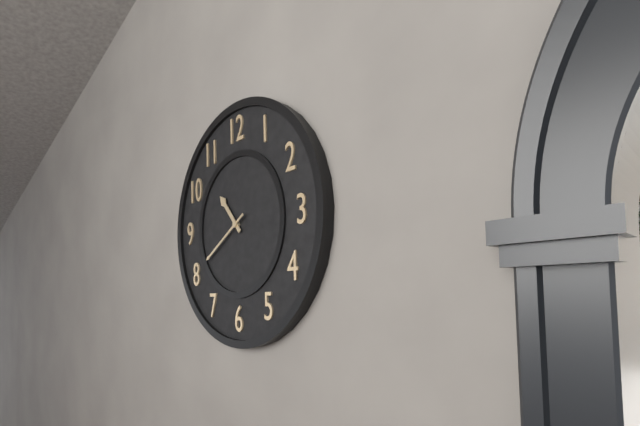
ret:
10:40
